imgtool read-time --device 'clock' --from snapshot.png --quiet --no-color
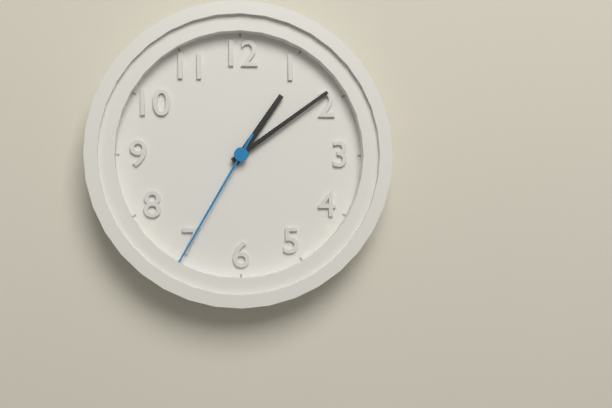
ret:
1:09:35
